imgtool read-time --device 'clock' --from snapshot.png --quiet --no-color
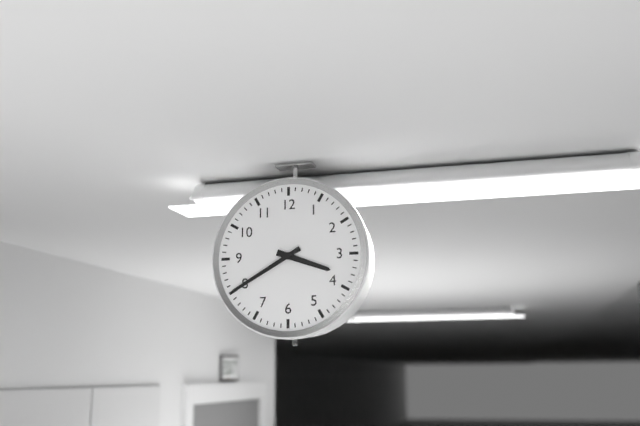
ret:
3:40
